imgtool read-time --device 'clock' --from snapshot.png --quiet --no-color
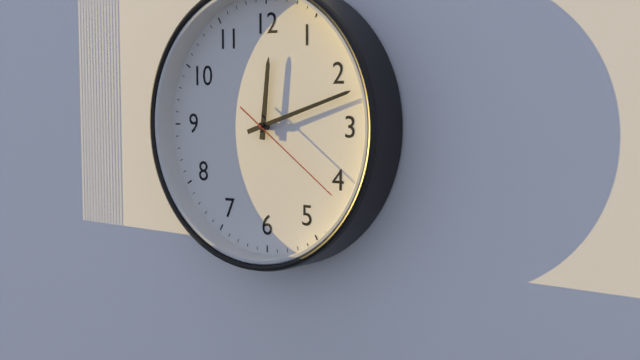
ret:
12:12:21
